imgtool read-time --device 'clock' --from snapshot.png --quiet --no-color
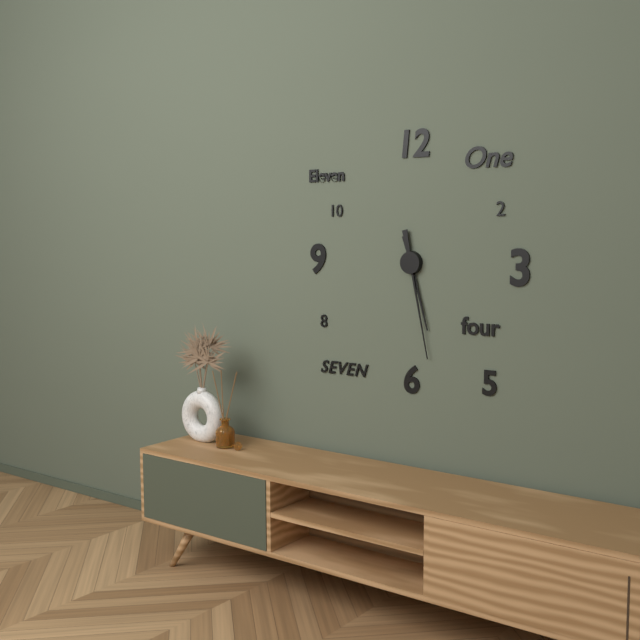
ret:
5:28
